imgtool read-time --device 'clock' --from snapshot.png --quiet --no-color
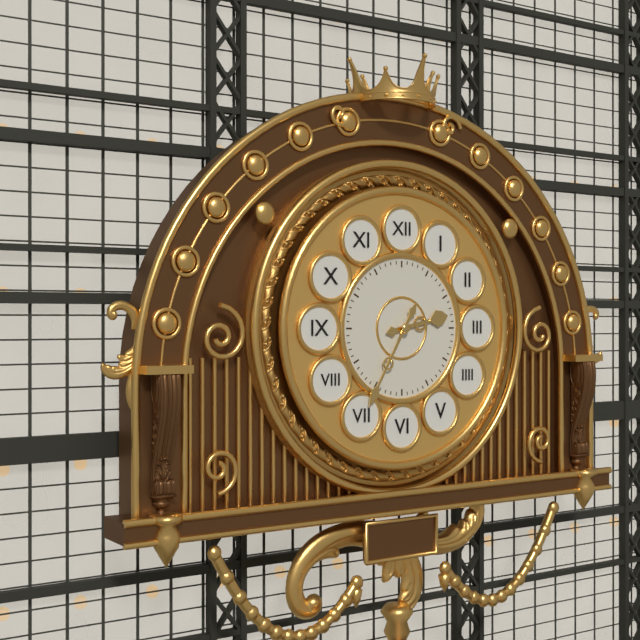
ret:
2:35
